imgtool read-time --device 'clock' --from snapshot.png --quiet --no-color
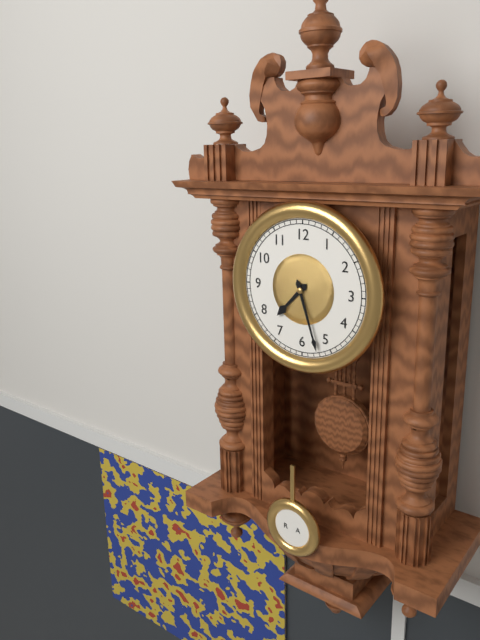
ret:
7:27
